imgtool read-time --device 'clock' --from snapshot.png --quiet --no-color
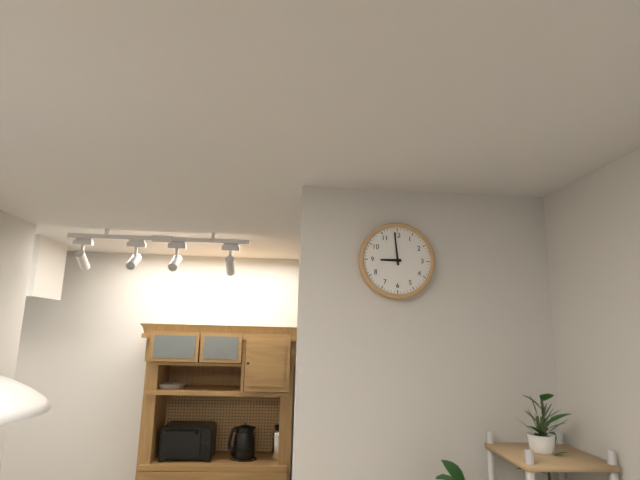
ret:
8:59
